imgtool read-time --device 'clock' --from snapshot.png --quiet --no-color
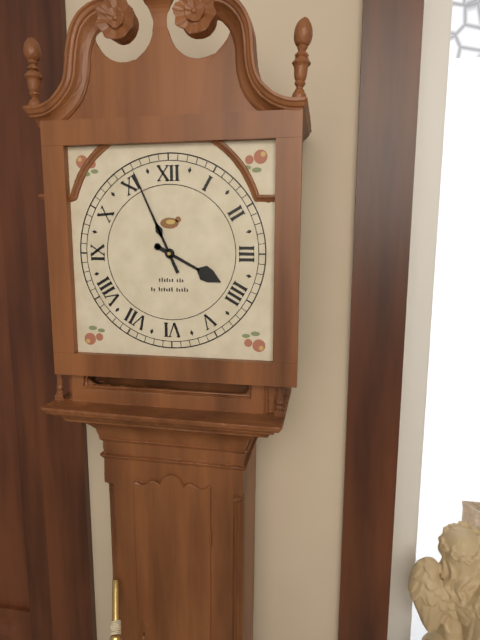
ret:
3:56
